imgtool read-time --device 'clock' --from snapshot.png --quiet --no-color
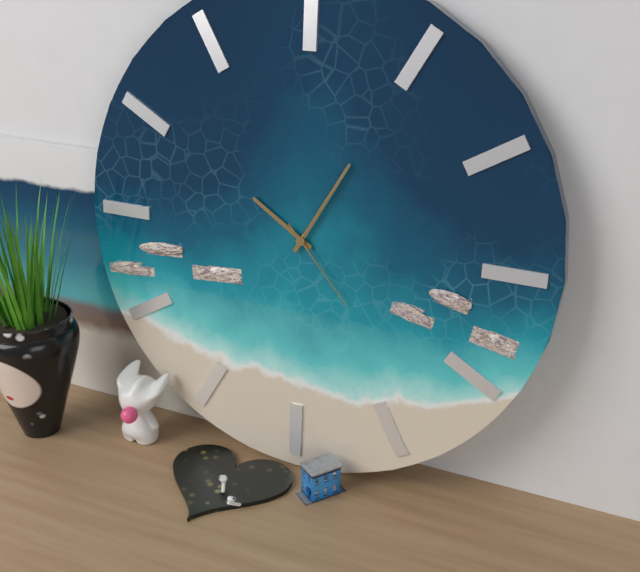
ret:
10:05:23
